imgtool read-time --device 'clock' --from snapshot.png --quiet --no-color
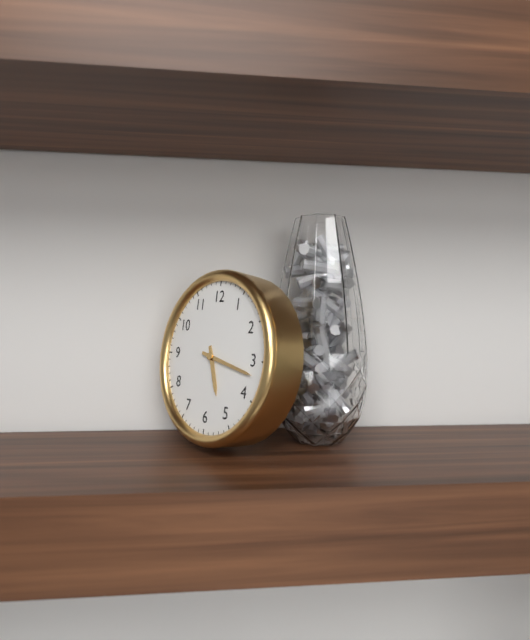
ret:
5:17
